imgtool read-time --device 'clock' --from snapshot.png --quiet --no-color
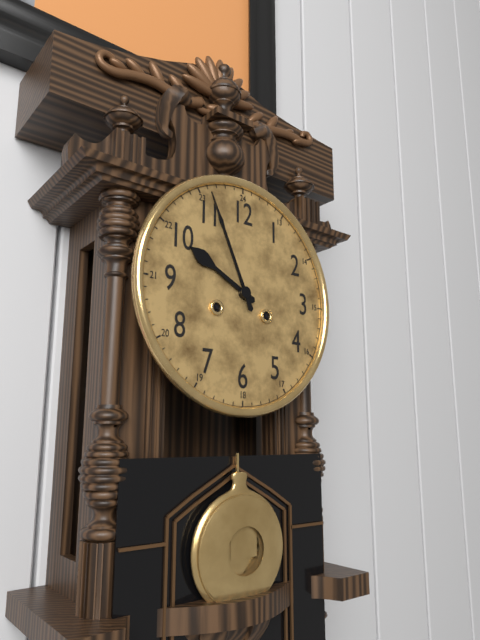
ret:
9:56
